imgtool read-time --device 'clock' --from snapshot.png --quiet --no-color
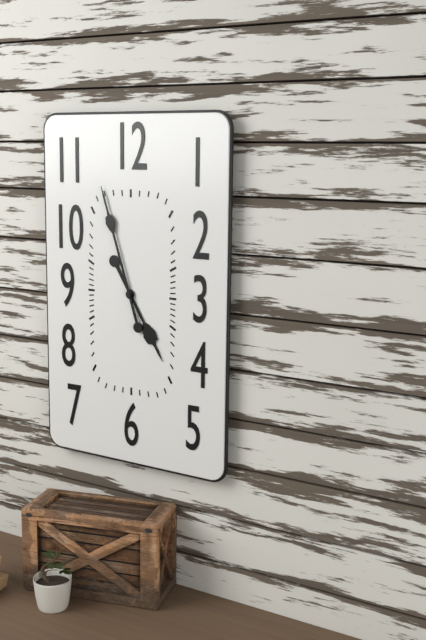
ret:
4:57
